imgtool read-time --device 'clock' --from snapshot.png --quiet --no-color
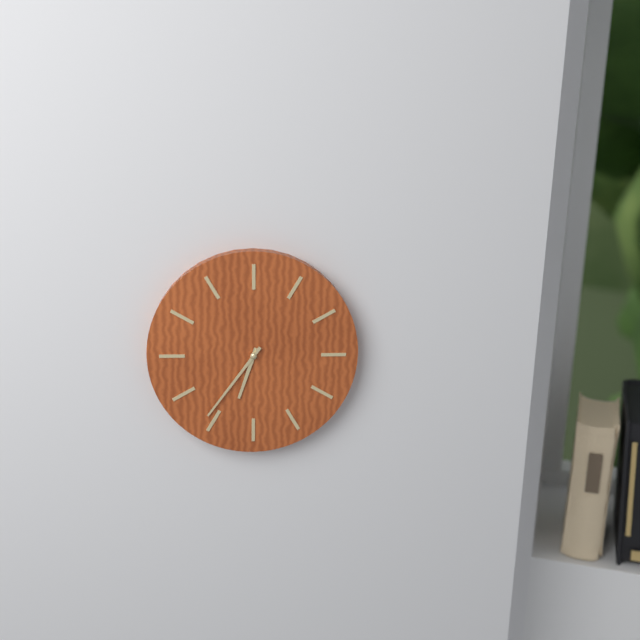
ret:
6:36
